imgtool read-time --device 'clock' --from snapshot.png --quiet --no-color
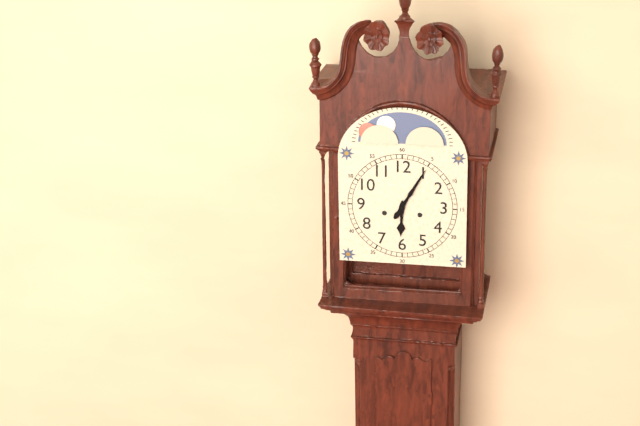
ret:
6:05
